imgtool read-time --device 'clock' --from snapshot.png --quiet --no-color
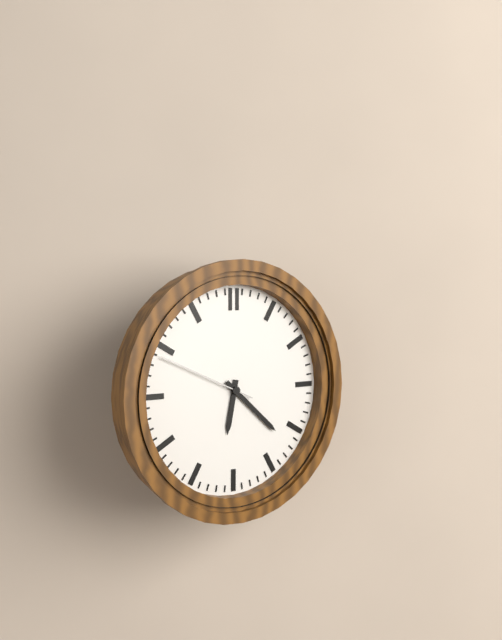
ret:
6:22:49
